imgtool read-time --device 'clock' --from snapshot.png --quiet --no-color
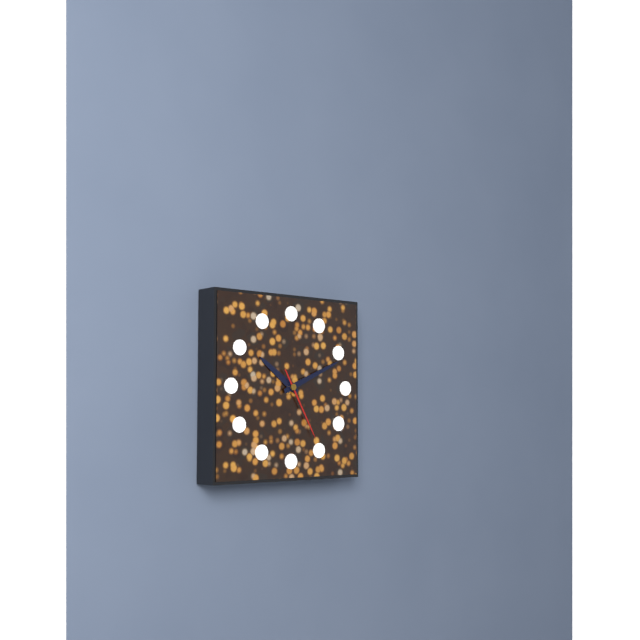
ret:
10:11:25
